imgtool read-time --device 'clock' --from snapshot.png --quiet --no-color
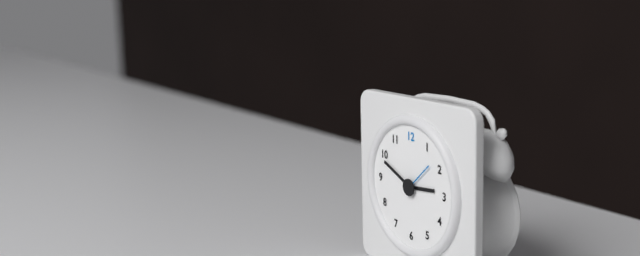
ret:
2:49
